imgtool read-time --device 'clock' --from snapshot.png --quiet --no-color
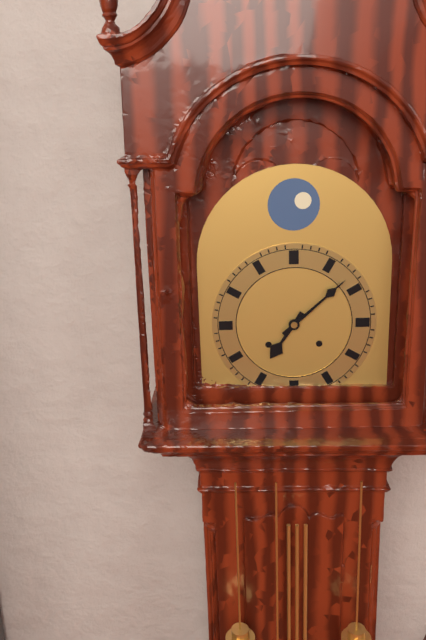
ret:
7:08
